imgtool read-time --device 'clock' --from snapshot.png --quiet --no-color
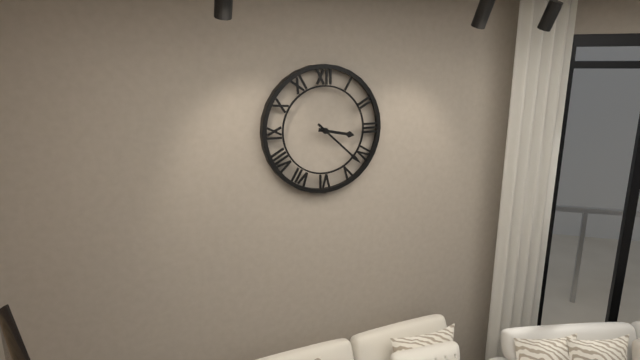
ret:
3:22
